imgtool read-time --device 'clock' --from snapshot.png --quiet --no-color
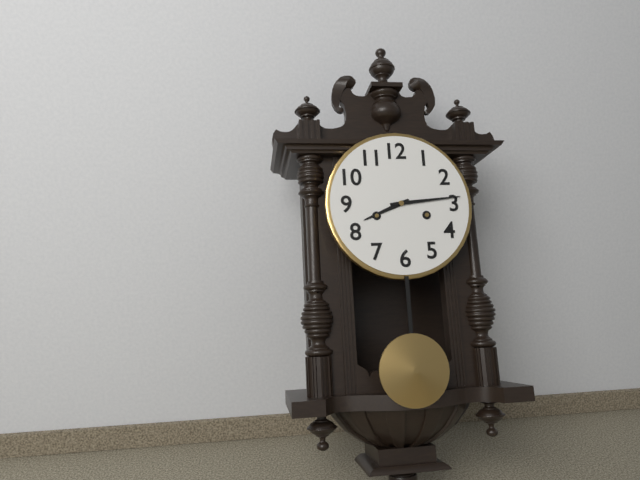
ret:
8:14
